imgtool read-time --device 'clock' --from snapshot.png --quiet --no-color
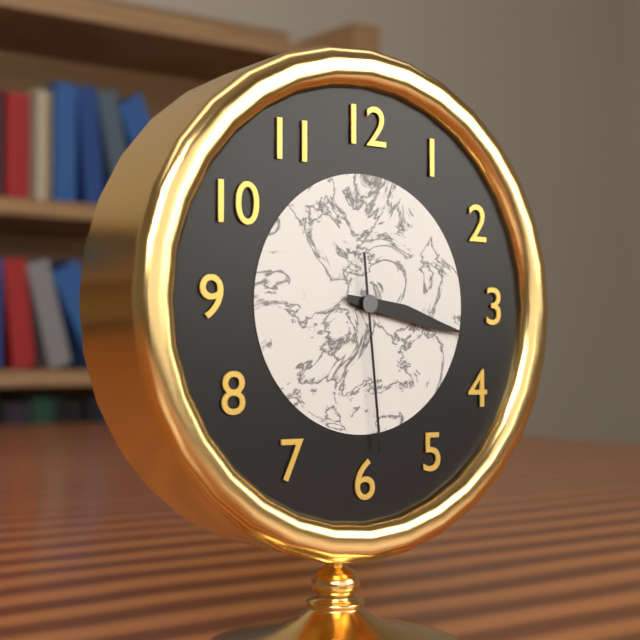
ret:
3:17:29
